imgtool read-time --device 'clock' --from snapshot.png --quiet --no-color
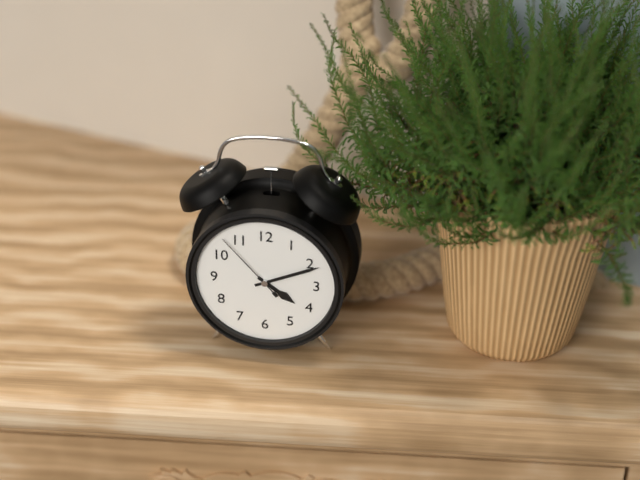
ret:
4:11:53
